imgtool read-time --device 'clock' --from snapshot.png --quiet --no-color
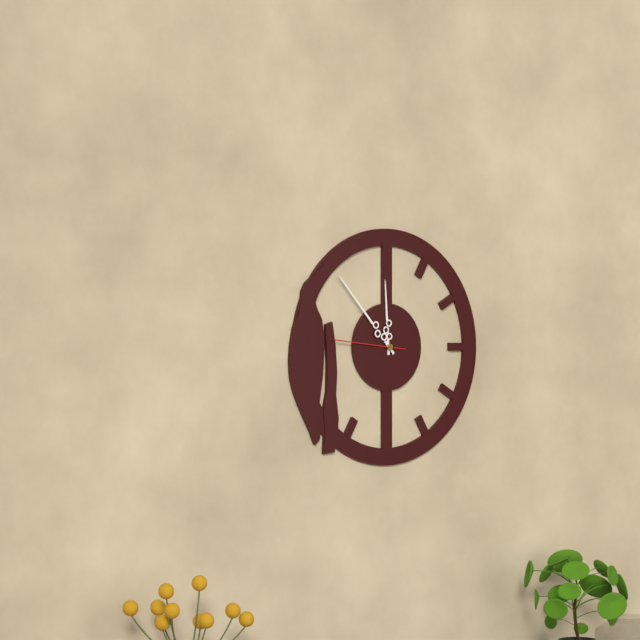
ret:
11:53:46
